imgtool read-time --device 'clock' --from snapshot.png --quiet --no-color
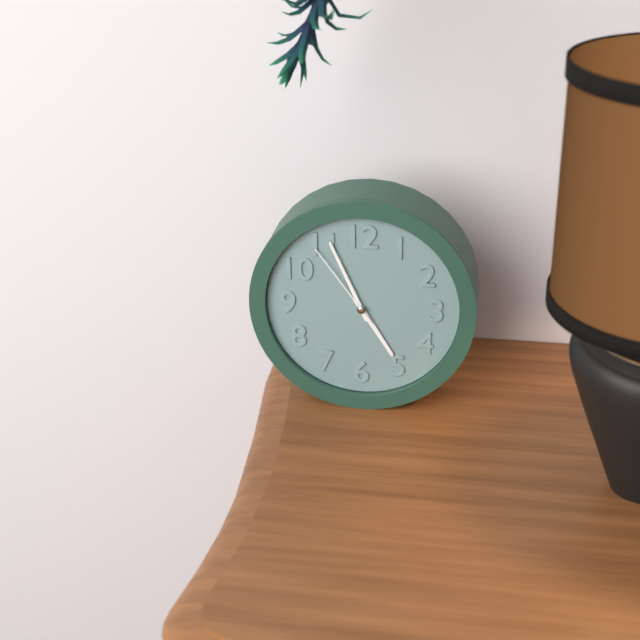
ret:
4:56:54
